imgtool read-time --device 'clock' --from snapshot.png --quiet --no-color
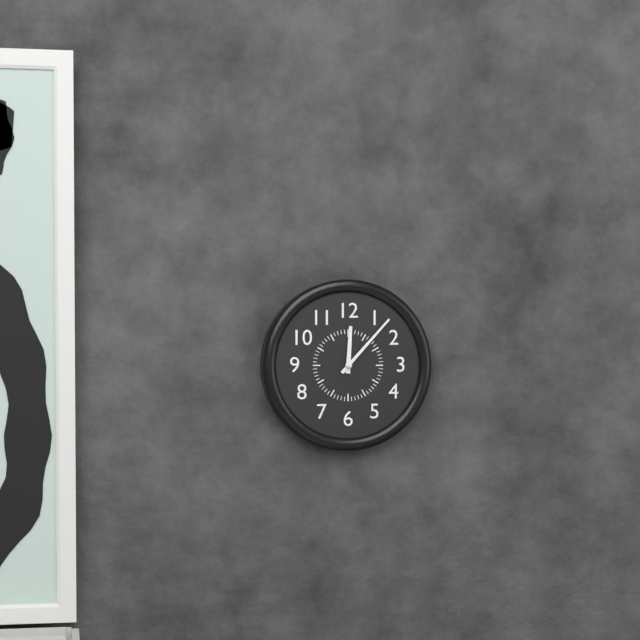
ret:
12:07
